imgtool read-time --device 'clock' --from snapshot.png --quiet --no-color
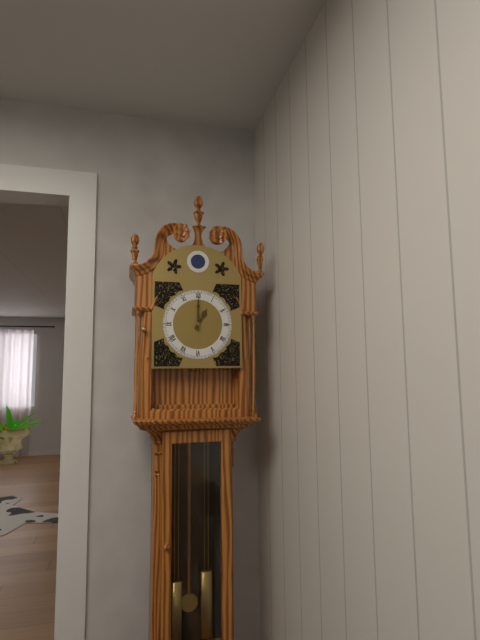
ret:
1:00
